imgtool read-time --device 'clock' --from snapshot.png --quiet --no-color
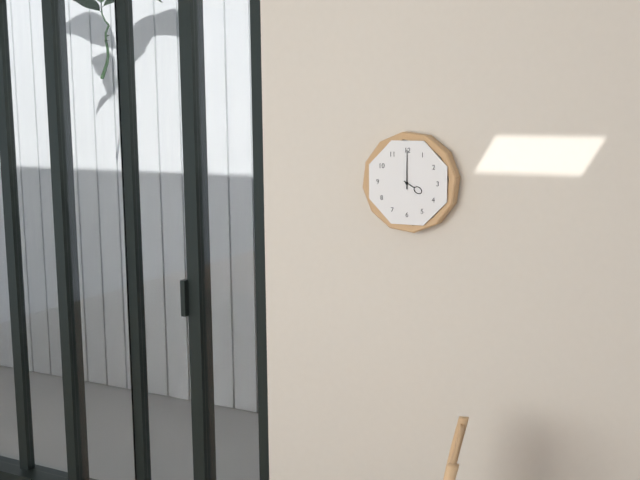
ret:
4:00
